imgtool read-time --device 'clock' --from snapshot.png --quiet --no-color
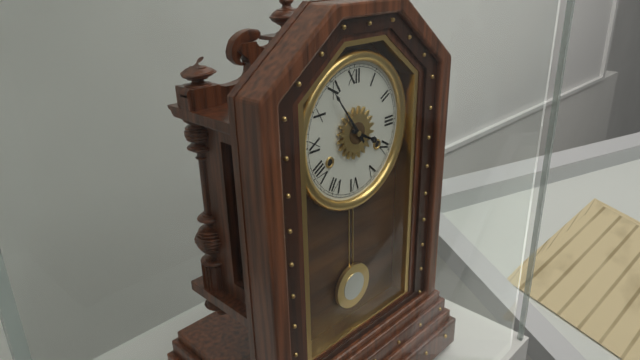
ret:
3:54
